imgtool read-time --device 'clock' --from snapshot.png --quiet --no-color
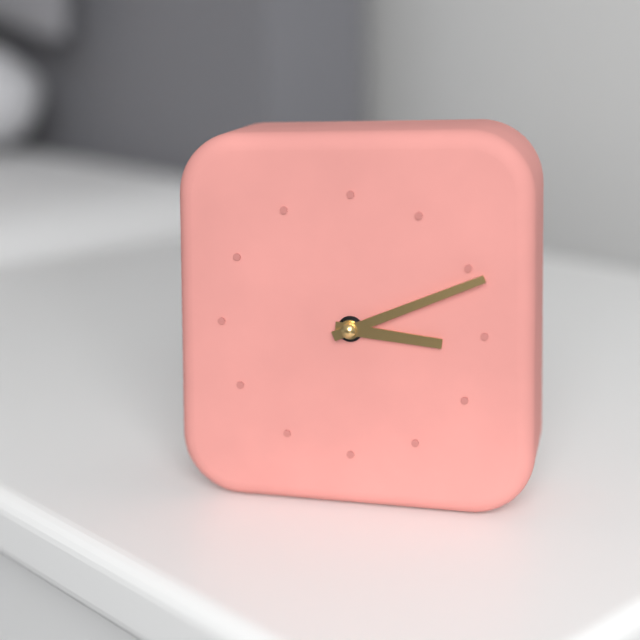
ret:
3:11
